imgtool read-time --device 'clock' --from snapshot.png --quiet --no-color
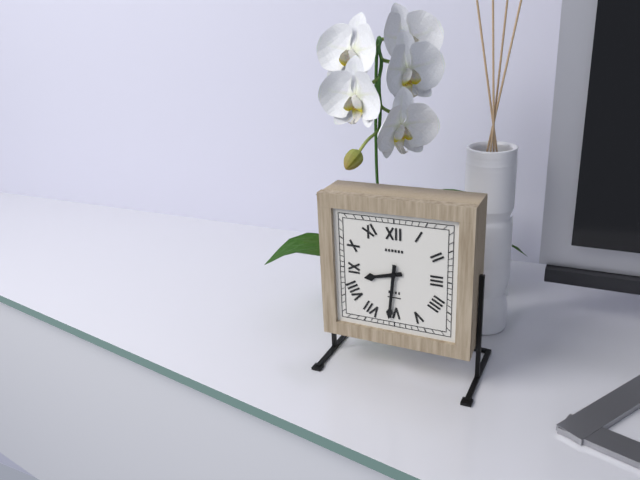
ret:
8:31
